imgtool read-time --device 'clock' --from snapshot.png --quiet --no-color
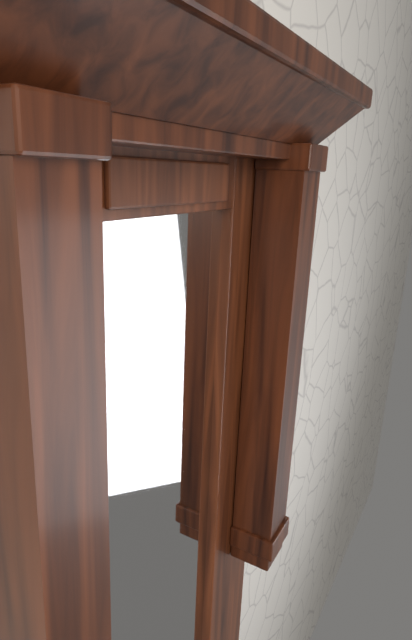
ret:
5:23
